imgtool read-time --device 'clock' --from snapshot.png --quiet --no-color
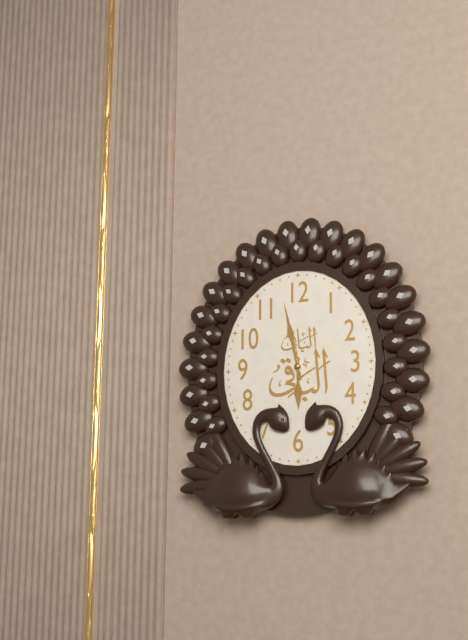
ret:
5:58
